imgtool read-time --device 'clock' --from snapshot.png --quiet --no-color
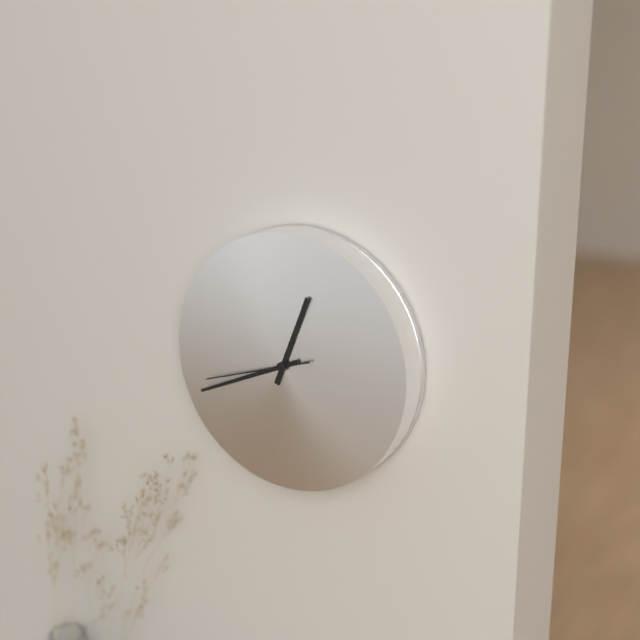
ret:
12:41:42
